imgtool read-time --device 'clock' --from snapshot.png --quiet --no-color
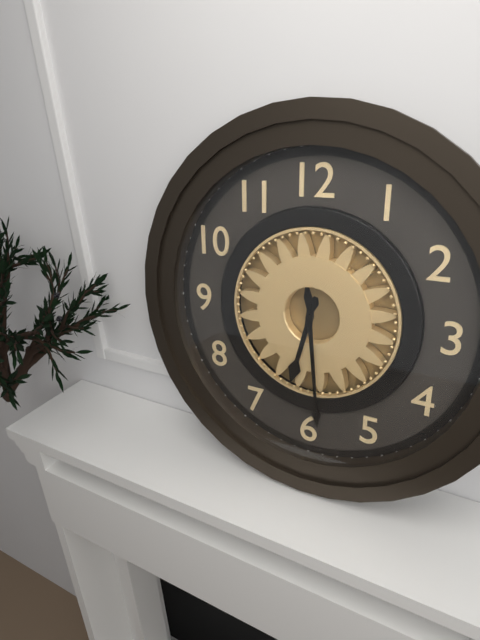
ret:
6:29
